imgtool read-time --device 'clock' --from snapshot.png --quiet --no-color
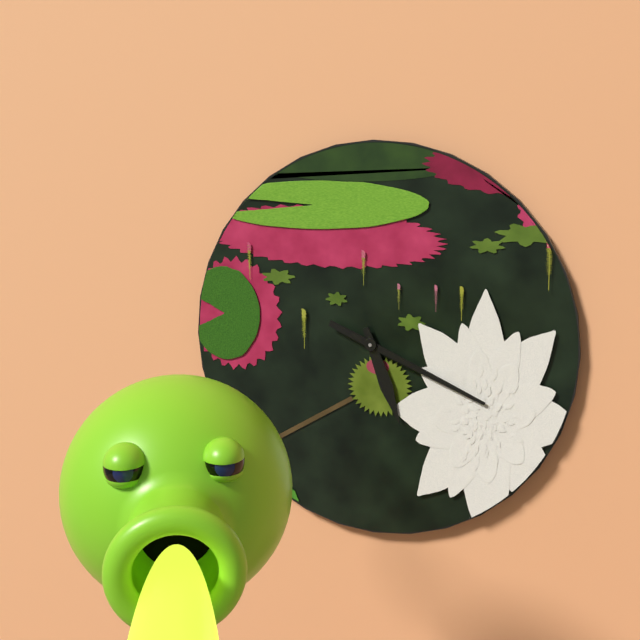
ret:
5:19
